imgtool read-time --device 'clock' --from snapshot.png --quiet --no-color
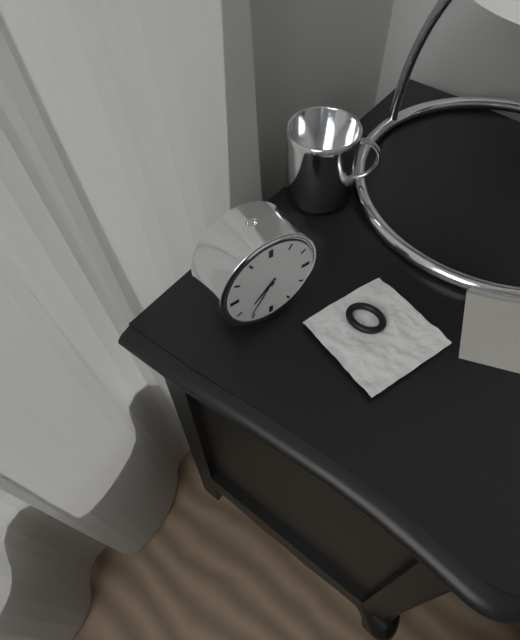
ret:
7:36
